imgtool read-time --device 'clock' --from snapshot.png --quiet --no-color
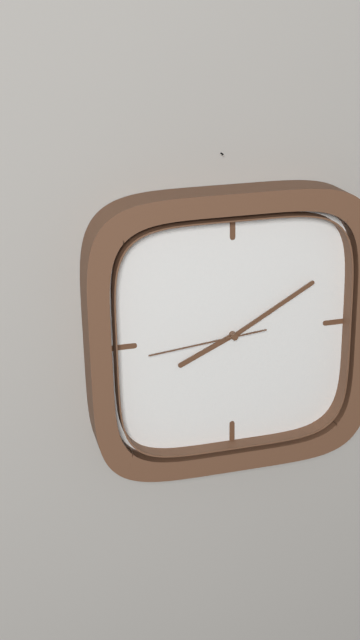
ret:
8:10:44
